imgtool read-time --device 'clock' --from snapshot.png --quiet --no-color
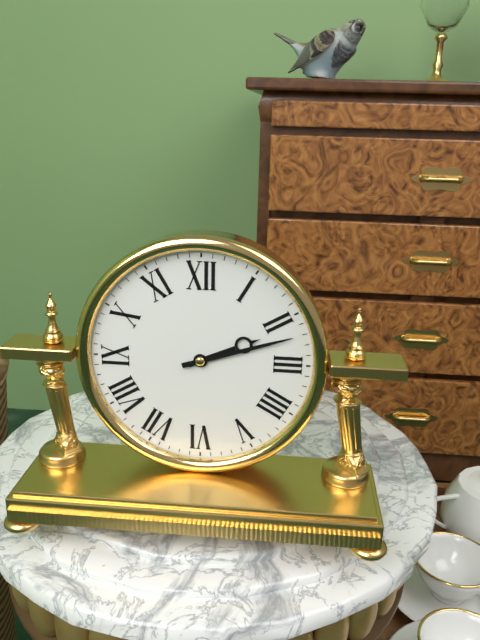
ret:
2:12
